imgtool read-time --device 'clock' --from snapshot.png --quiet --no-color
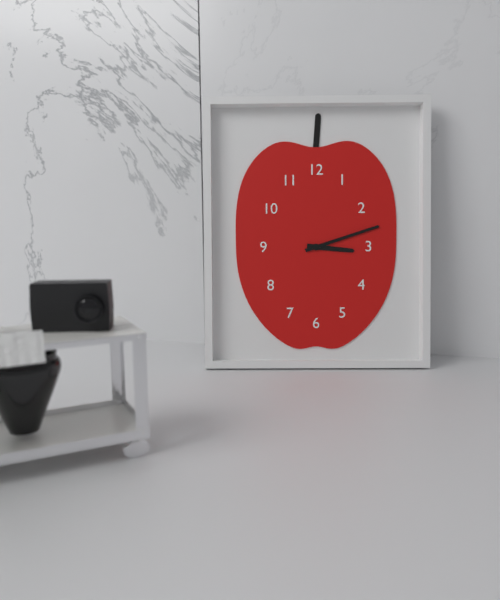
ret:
3:12
